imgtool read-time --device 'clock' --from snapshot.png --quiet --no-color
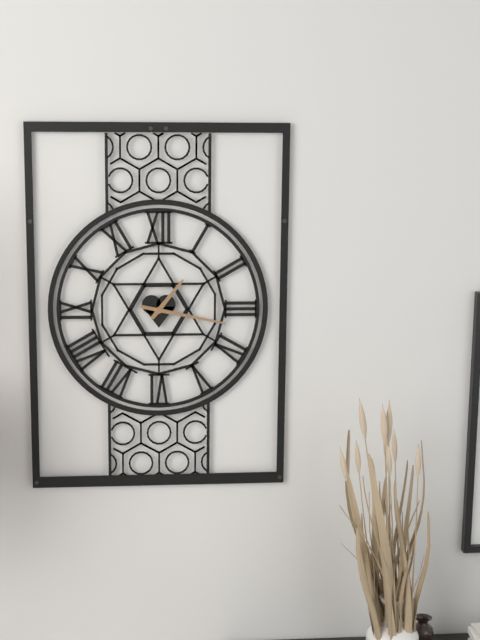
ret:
1:17
